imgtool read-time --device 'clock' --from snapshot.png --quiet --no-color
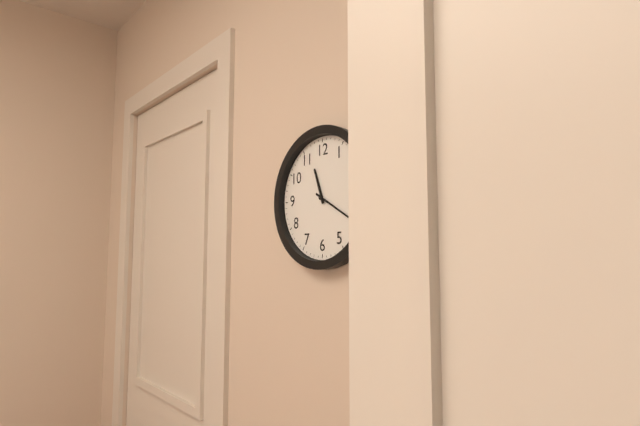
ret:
11:20
